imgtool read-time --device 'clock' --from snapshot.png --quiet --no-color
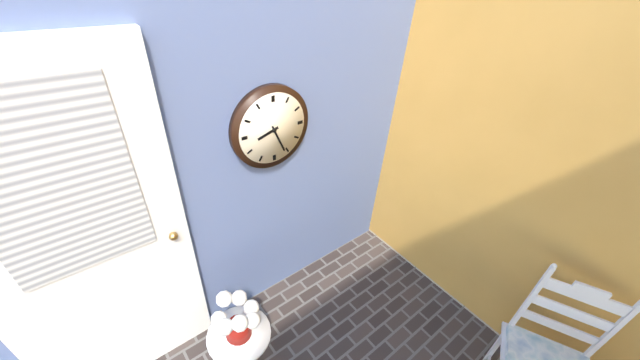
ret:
8:26
